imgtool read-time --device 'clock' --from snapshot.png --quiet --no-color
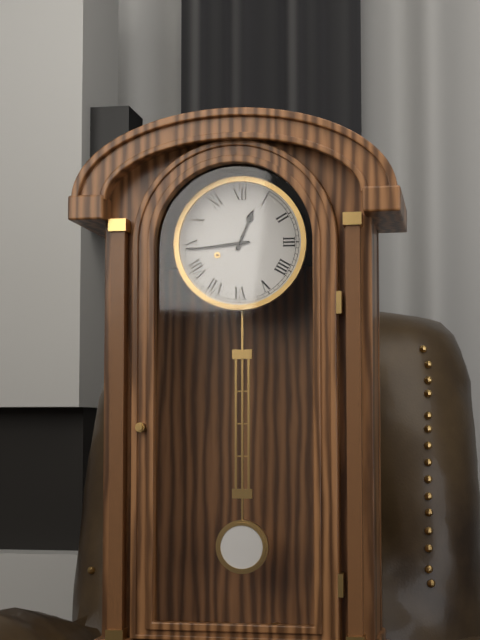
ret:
12:44
